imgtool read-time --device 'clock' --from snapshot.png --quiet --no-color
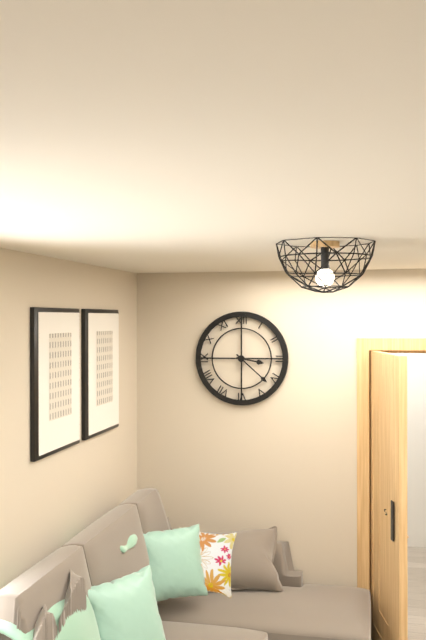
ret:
3:22
